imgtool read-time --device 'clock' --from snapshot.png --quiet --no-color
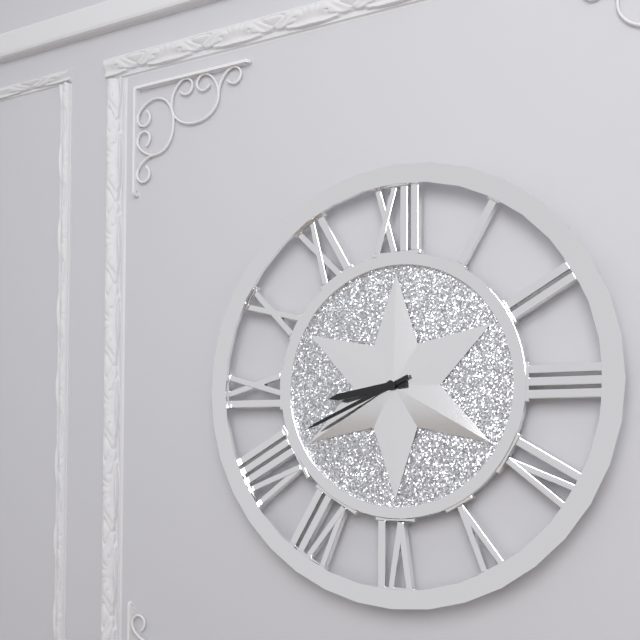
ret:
8:41
